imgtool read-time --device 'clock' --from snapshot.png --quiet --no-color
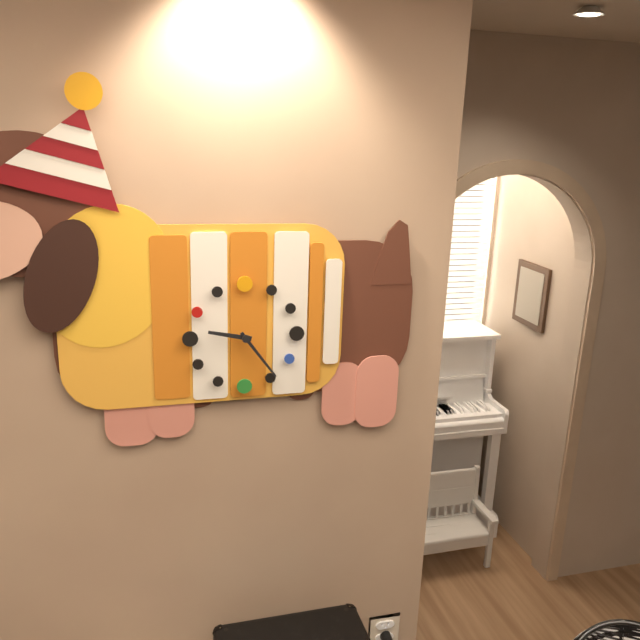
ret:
9:24
